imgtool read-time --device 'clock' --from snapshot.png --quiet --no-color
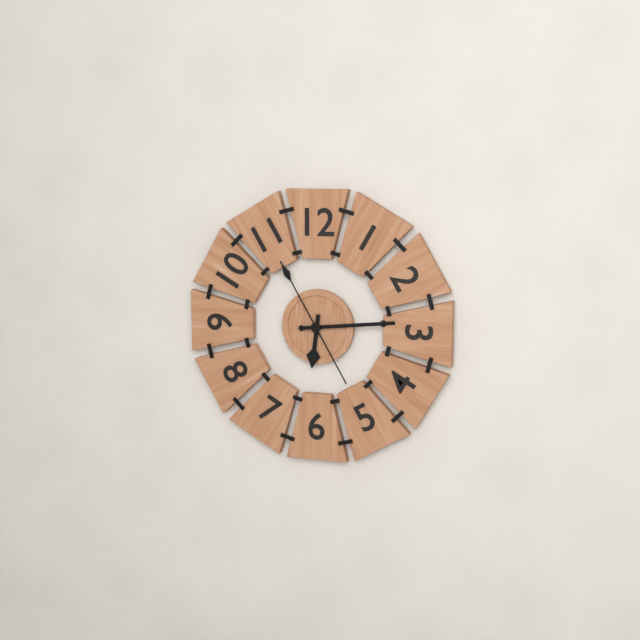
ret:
6:14:55
